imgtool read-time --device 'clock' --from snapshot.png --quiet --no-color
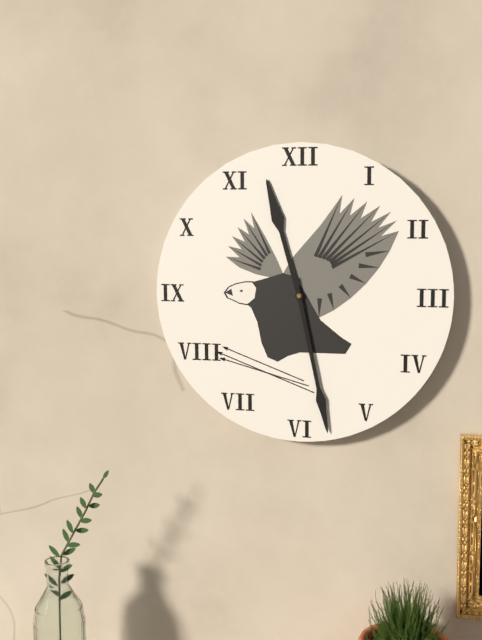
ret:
11:28
